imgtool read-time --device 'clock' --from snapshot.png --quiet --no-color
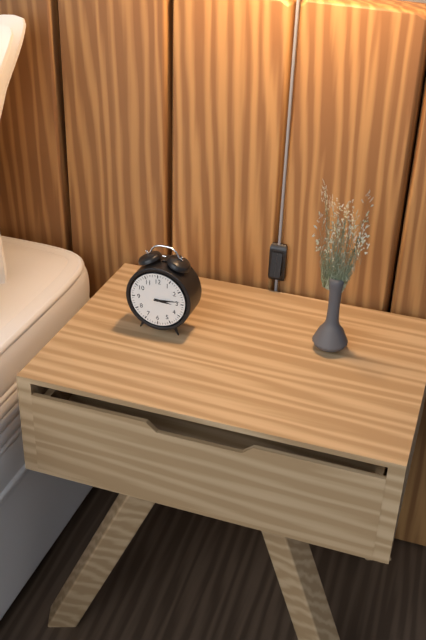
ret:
3:14
